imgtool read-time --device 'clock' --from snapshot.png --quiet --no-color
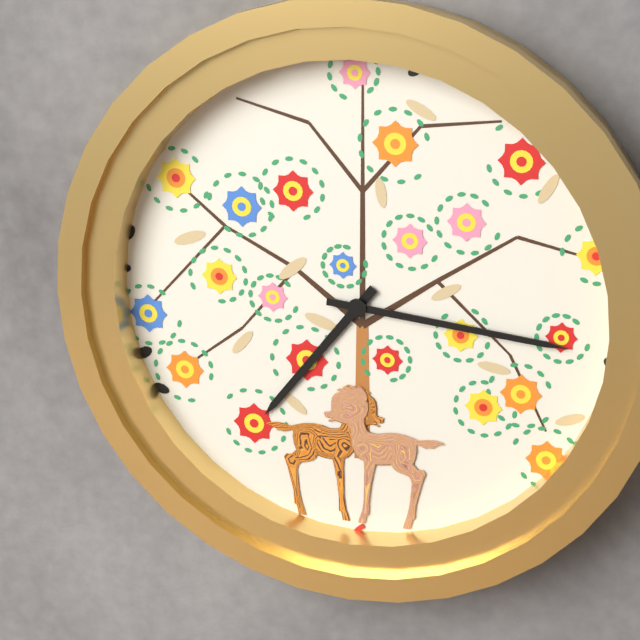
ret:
7:16
